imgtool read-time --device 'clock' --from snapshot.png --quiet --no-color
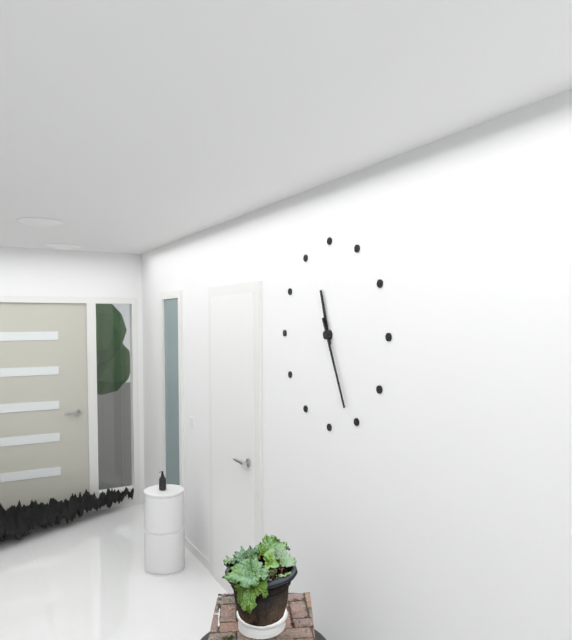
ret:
11:26
